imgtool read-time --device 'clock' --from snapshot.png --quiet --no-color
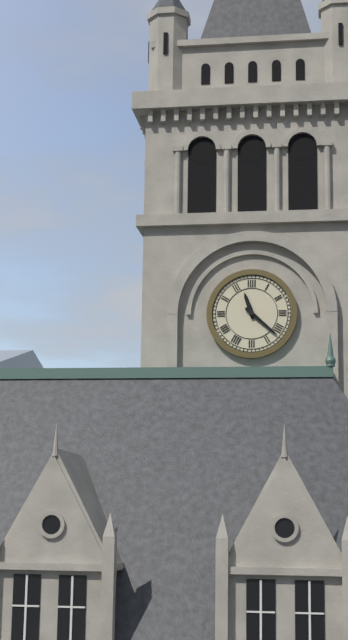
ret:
11:22
